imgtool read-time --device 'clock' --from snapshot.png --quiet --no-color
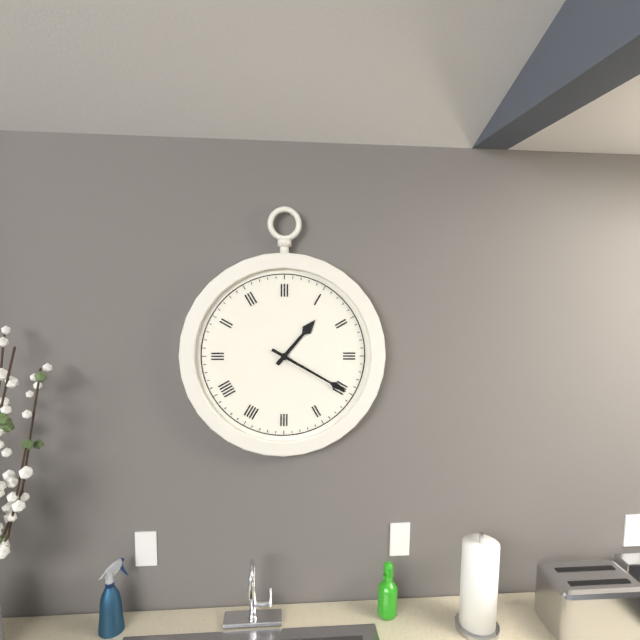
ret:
1:20
